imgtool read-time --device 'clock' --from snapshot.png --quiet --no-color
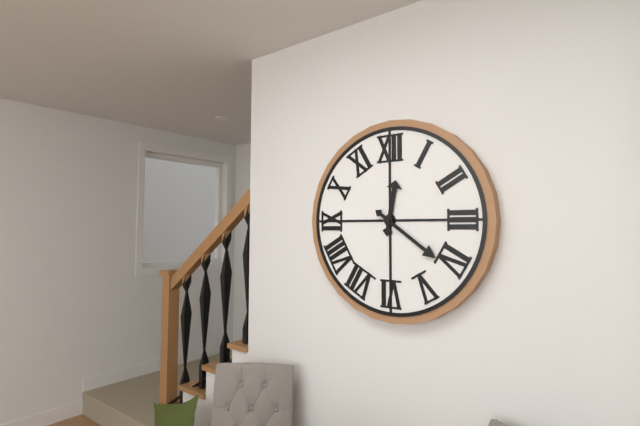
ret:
12:21
